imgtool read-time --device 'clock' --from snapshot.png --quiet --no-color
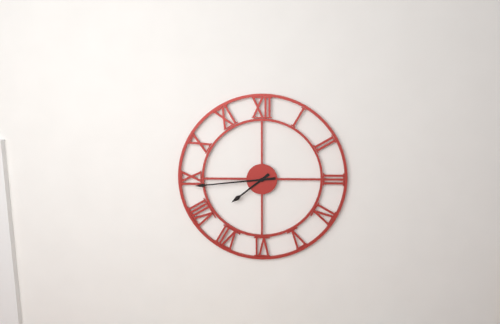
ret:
7:44
